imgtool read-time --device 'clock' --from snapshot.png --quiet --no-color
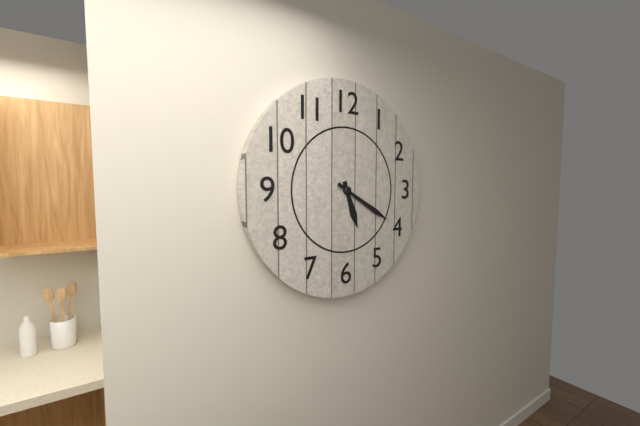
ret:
5:20
